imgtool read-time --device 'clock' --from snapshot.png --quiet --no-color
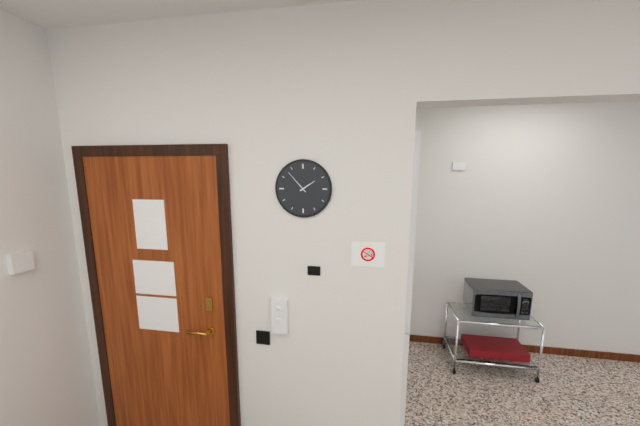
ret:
1:53
